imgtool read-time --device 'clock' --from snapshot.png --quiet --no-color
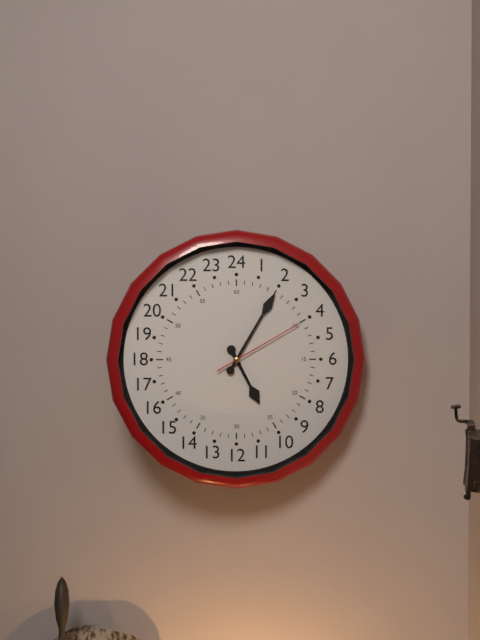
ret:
5:05:10
